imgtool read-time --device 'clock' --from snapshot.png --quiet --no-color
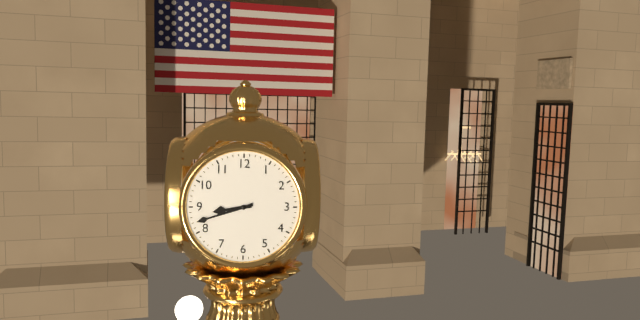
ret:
8:42
